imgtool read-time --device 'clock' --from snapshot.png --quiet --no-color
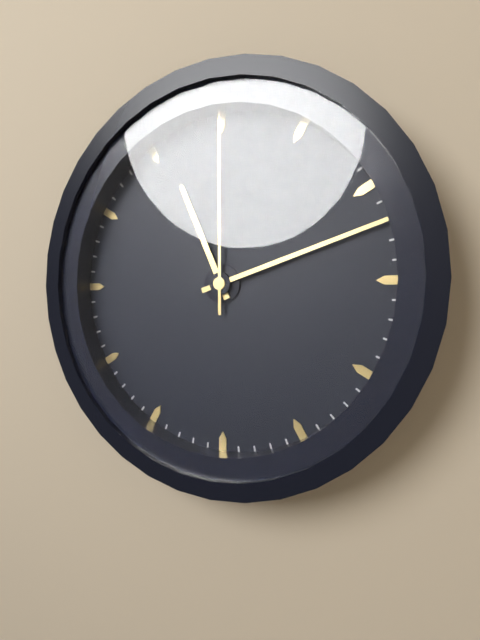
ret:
11:12:00
